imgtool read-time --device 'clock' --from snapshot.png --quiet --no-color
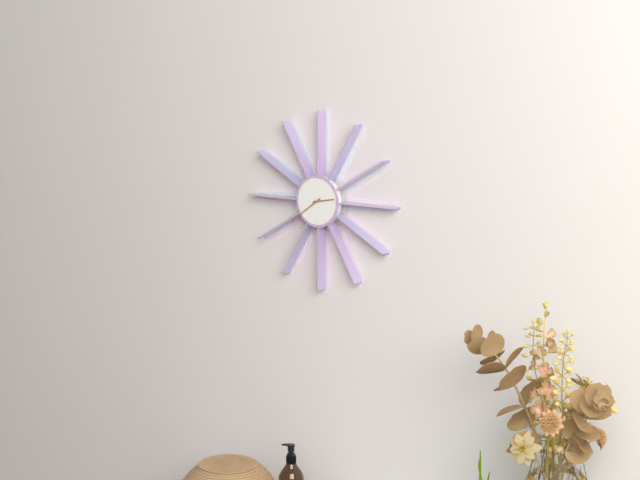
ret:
2:39
